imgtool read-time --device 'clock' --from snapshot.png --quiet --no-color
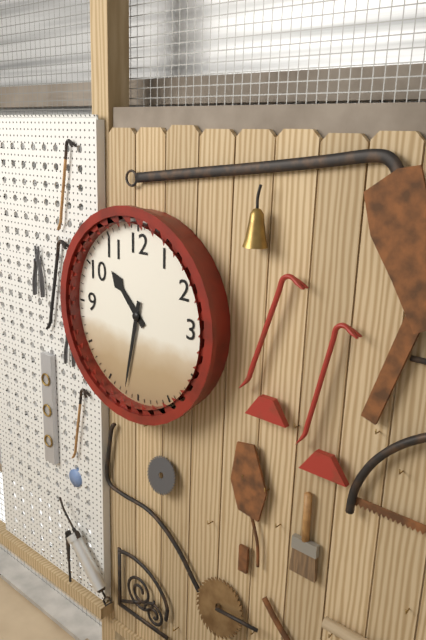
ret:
10:32
